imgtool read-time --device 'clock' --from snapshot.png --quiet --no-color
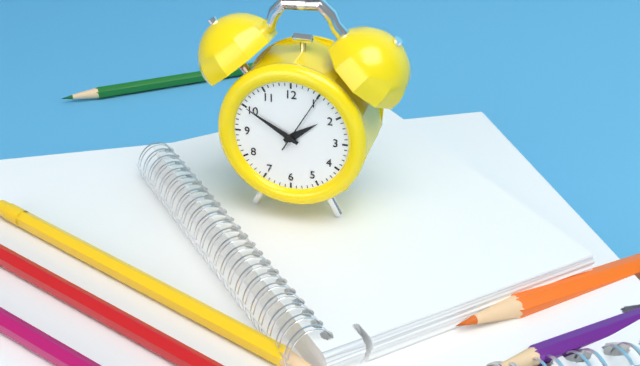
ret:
1:50:05
